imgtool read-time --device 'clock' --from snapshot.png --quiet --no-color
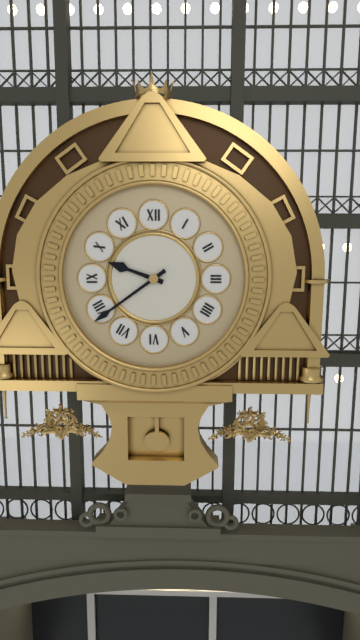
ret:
9:39
